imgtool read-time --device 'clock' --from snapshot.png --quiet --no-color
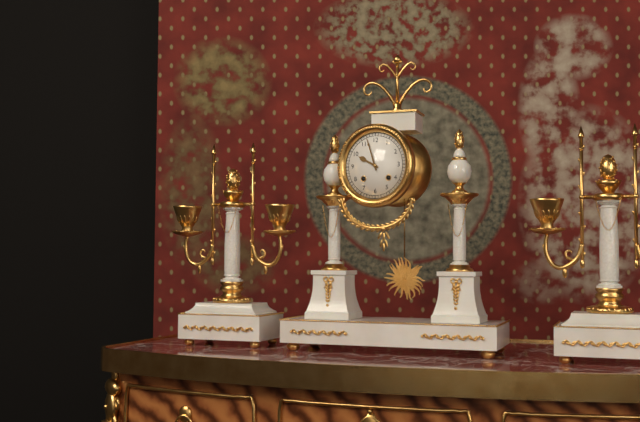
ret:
9:57
